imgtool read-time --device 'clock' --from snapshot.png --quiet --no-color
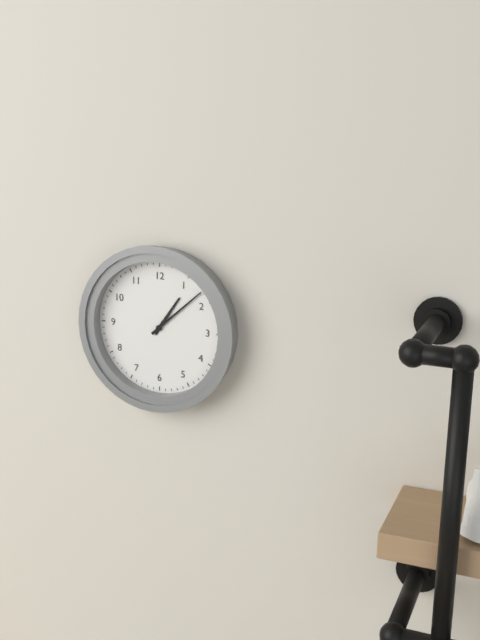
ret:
1:08
